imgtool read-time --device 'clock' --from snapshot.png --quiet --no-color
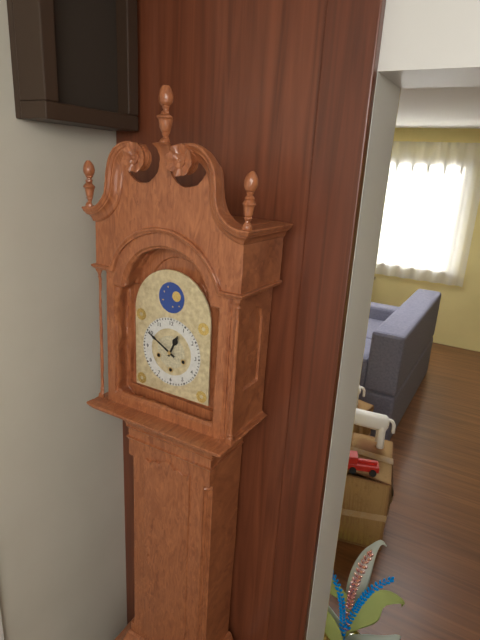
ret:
12:50
